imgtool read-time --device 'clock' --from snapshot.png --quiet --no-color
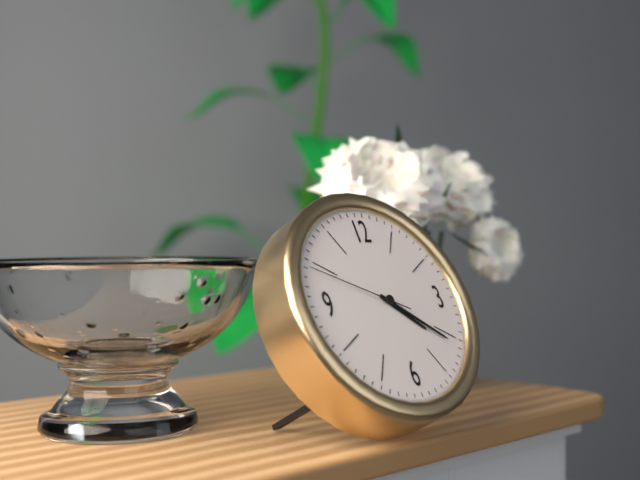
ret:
4:21:49
